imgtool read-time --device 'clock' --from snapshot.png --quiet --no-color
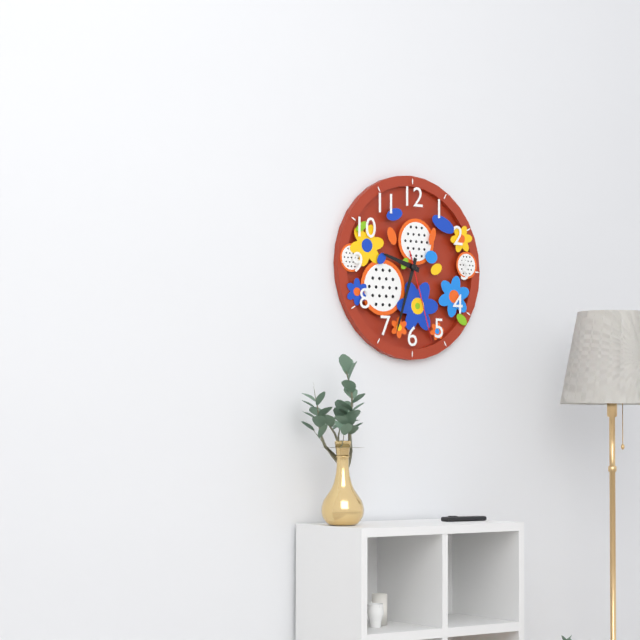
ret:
9:33:27
